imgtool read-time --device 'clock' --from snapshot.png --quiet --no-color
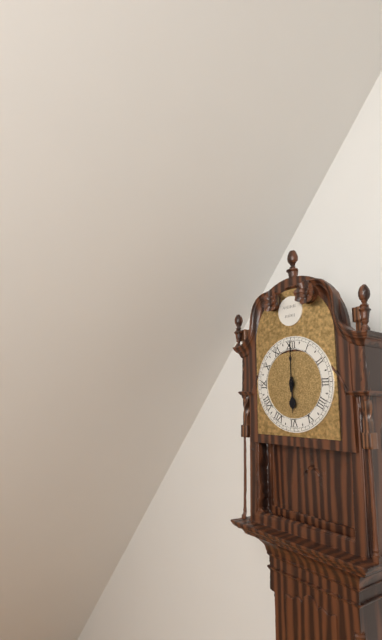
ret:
6:00
